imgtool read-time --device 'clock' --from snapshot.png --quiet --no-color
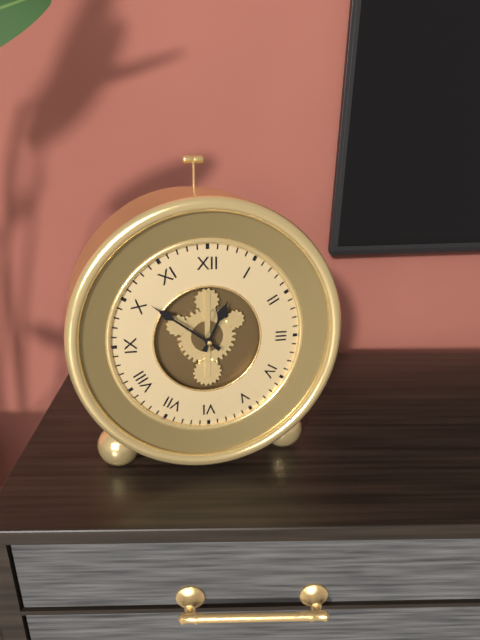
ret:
12:51
